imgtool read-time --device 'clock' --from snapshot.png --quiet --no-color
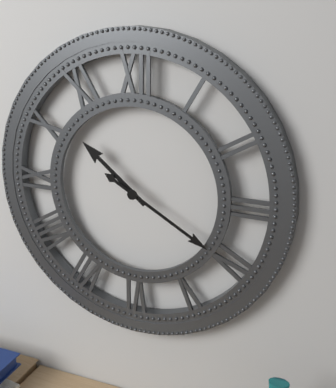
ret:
10:20
